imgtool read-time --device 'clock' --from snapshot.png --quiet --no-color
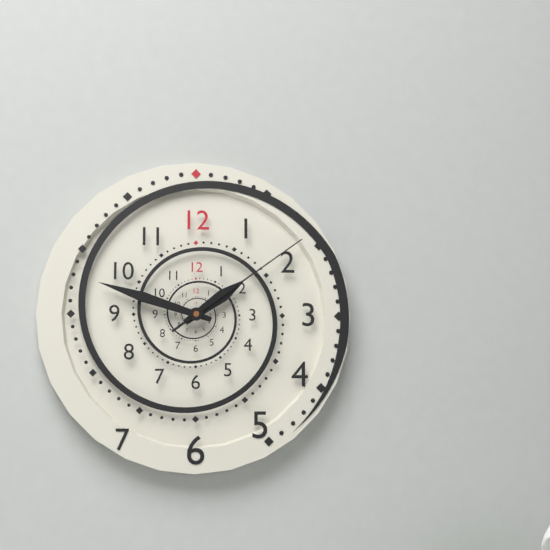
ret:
1:48:09
